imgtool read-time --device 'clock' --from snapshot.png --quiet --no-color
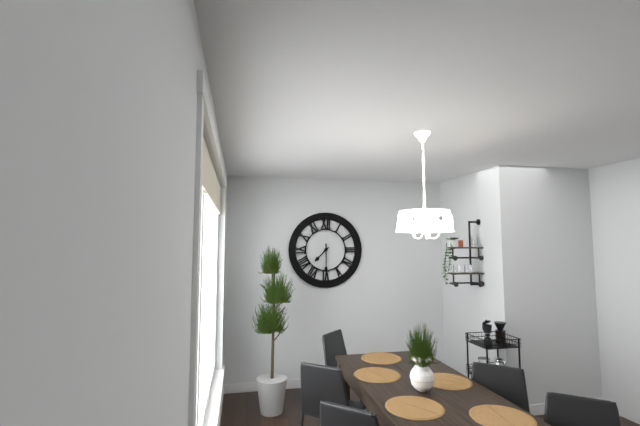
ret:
7:30
